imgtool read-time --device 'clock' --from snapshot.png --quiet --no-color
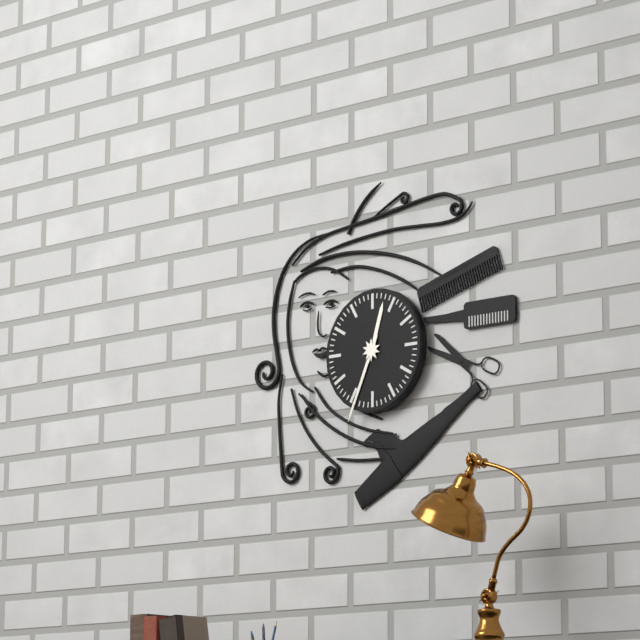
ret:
12:34
